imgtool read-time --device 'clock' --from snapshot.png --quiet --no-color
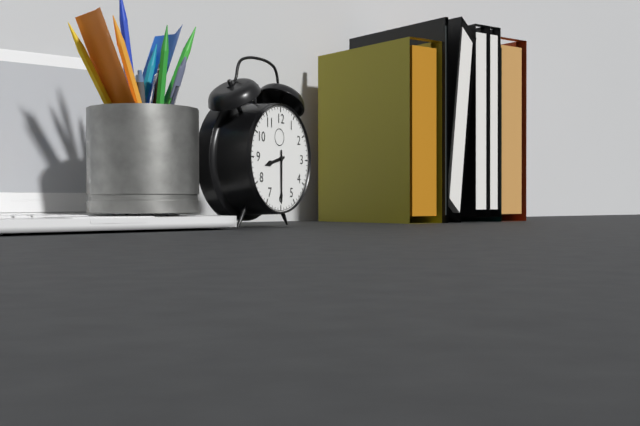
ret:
8:30
